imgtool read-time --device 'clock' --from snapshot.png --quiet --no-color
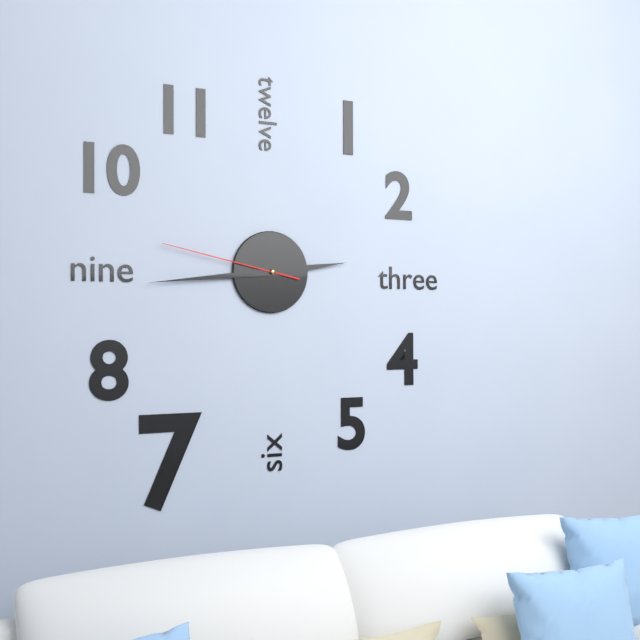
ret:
2:44:47
